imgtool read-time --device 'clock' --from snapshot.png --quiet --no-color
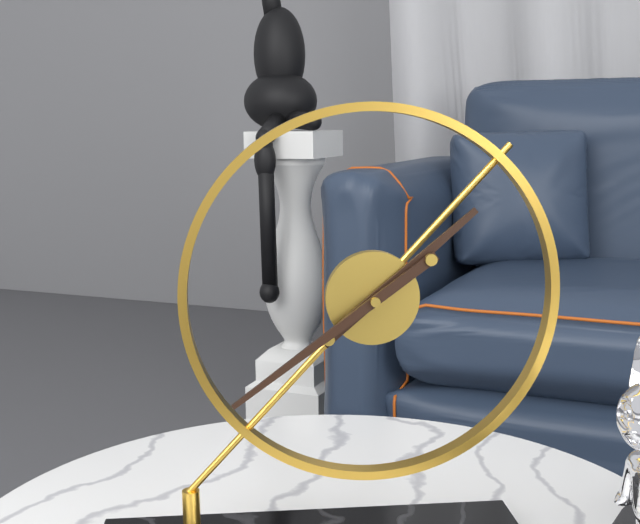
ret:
1:39
